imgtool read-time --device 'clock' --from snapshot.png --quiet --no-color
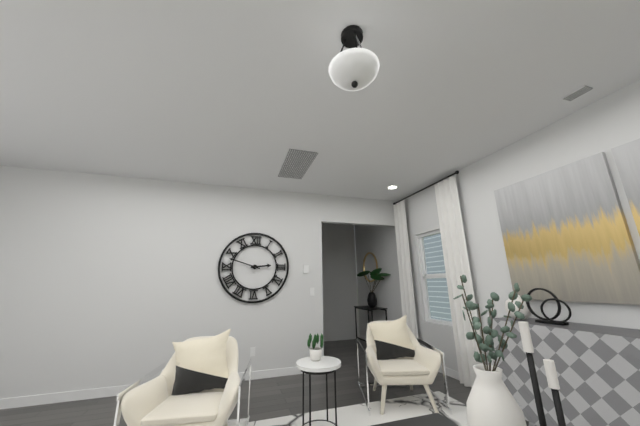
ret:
2:48
